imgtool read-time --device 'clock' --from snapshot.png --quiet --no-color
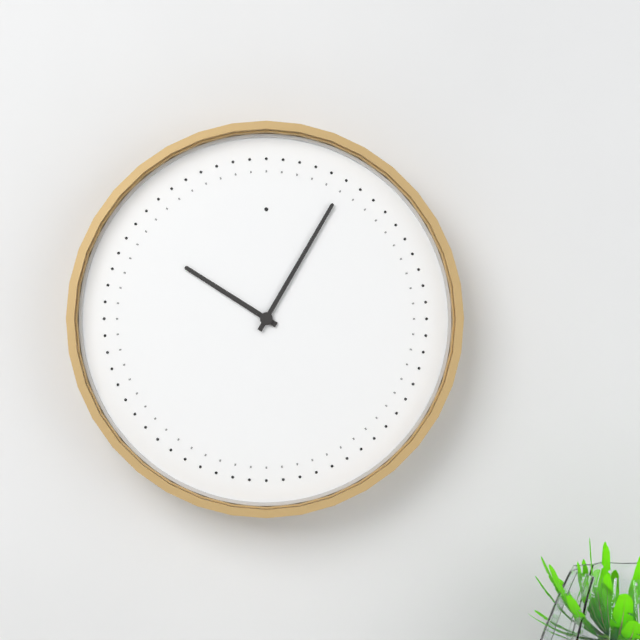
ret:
10:05
